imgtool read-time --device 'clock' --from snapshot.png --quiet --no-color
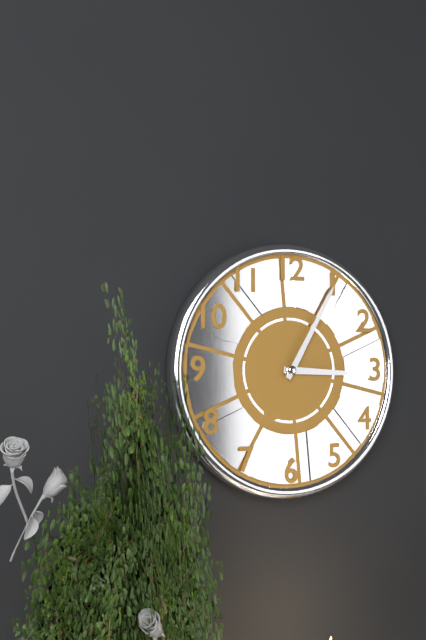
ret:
3:05
